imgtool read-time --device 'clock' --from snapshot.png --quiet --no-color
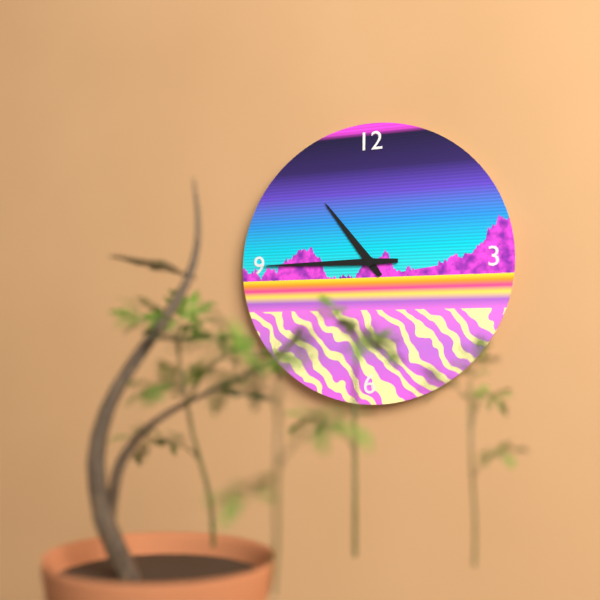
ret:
10:45
